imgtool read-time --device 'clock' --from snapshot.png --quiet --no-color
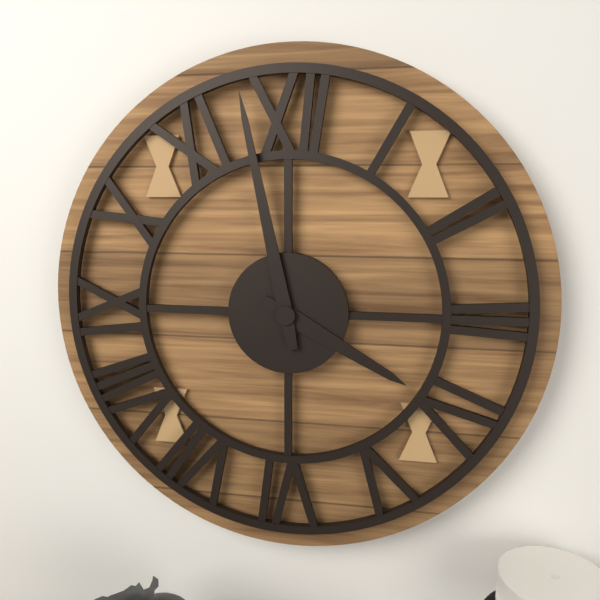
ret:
3:58
